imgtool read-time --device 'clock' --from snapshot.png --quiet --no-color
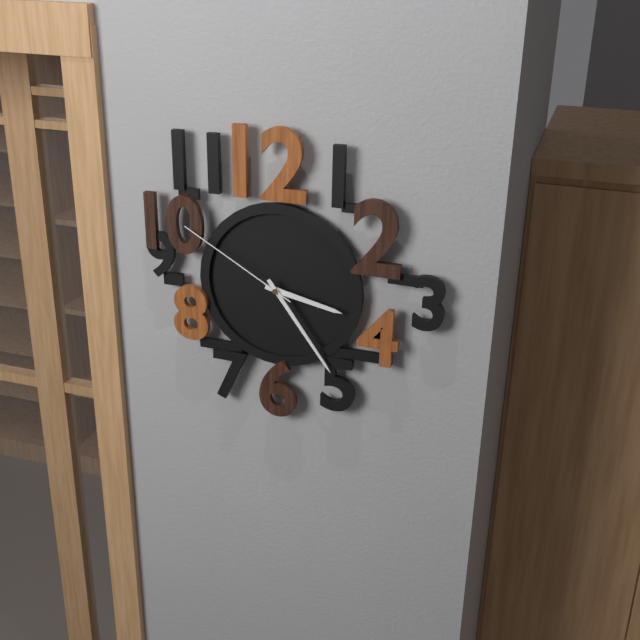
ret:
3:24:50
